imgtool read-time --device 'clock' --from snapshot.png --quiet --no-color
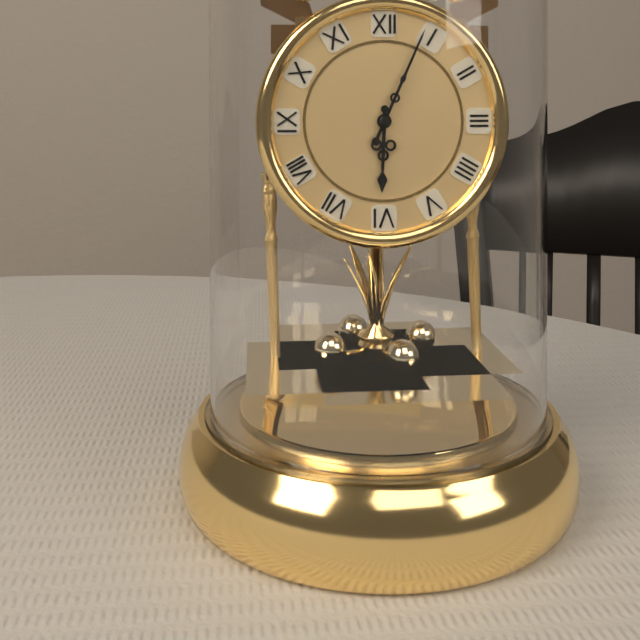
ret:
6:04
